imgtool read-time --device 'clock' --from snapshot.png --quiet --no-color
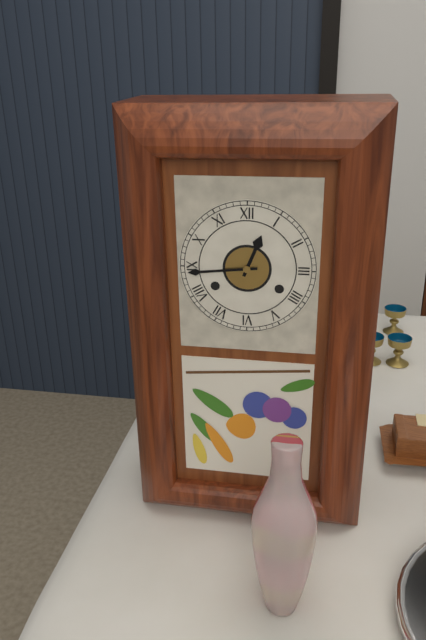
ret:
12:44
